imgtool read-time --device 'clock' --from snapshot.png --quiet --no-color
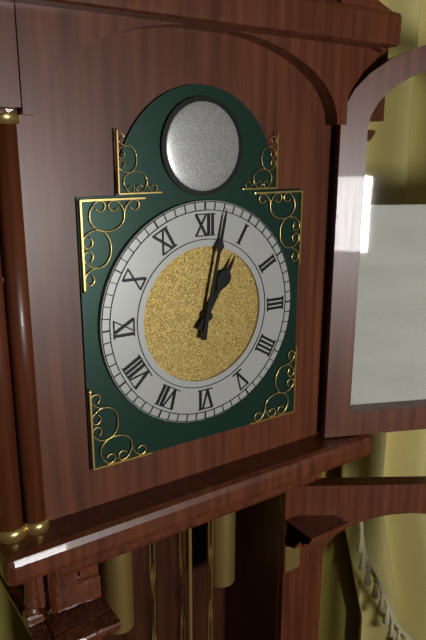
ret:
1:02
